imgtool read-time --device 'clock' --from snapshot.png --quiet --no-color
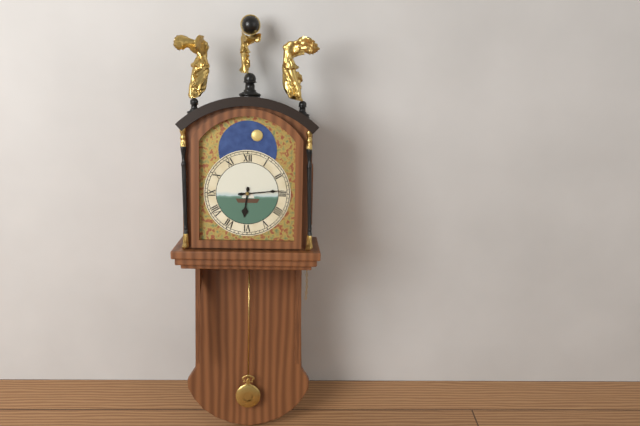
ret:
6:14
